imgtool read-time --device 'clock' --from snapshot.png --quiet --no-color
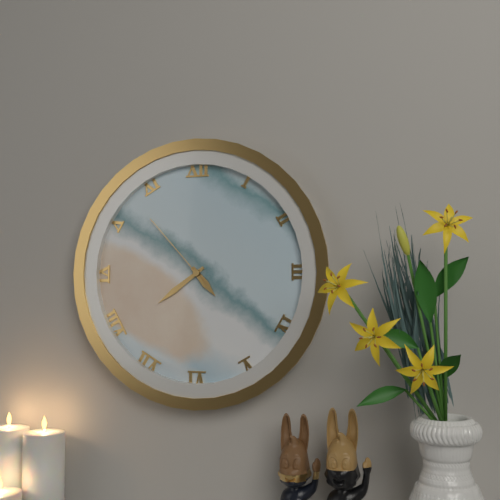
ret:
4:39:53
